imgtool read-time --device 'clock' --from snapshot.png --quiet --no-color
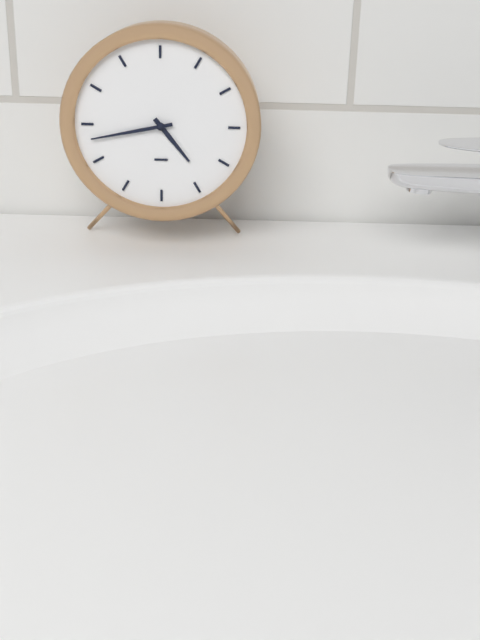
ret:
4:43
